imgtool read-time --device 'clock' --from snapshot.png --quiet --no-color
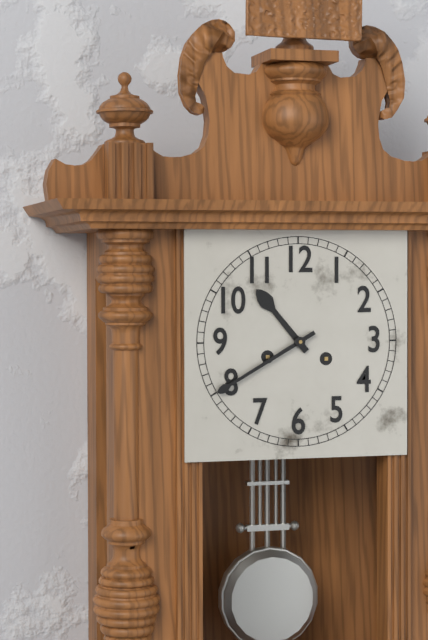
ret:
10:40
